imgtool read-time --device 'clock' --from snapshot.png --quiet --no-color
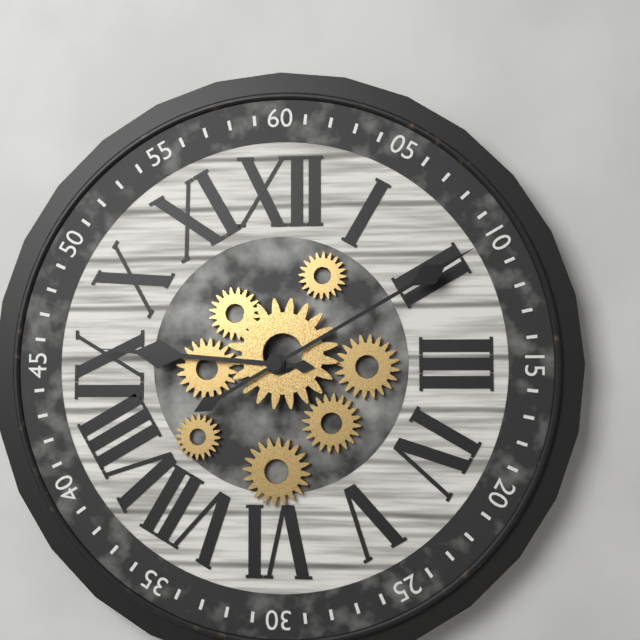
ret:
9:10
